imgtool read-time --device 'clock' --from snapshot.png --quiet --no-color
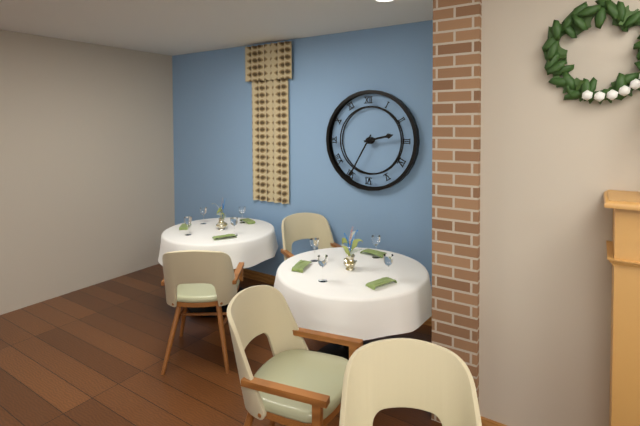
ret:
2:35
